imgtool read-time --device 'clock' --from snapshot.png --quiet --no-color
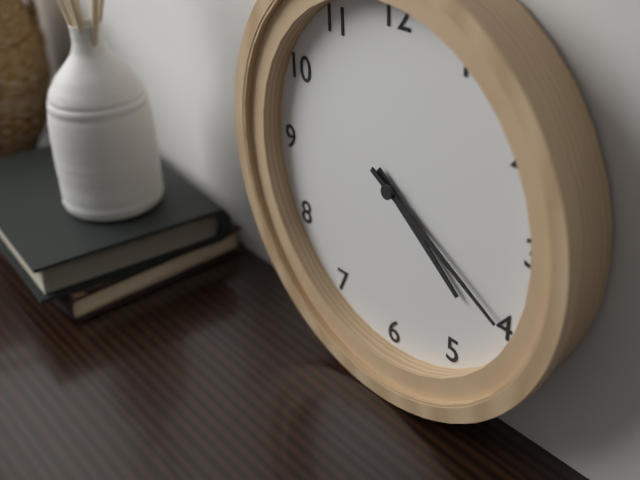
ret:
4:20
